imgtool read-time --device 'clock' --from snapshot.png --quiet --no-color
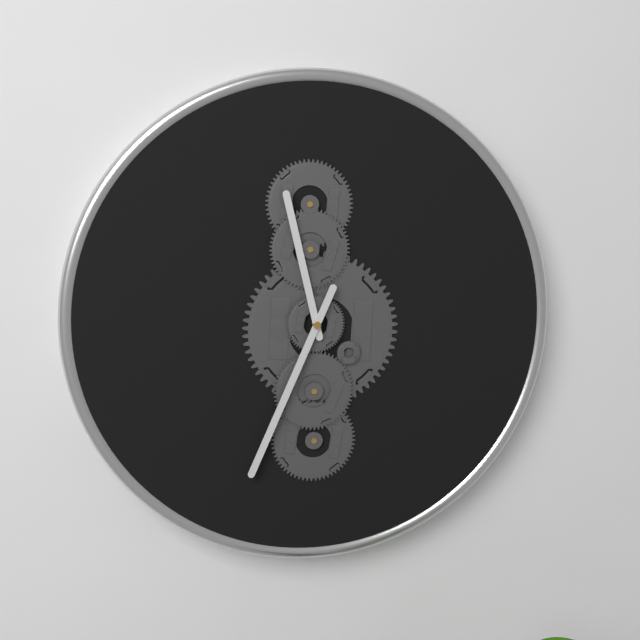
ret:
11:34
